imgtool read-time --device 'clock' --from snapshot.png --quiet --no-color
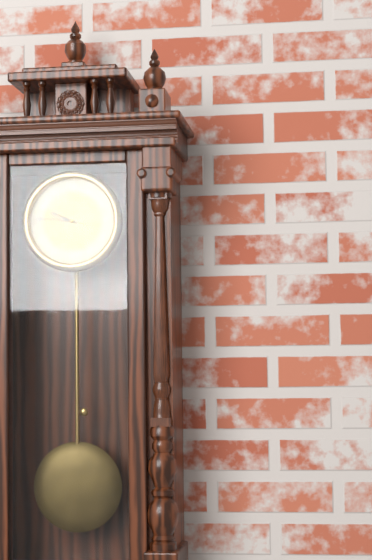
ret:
9:46
